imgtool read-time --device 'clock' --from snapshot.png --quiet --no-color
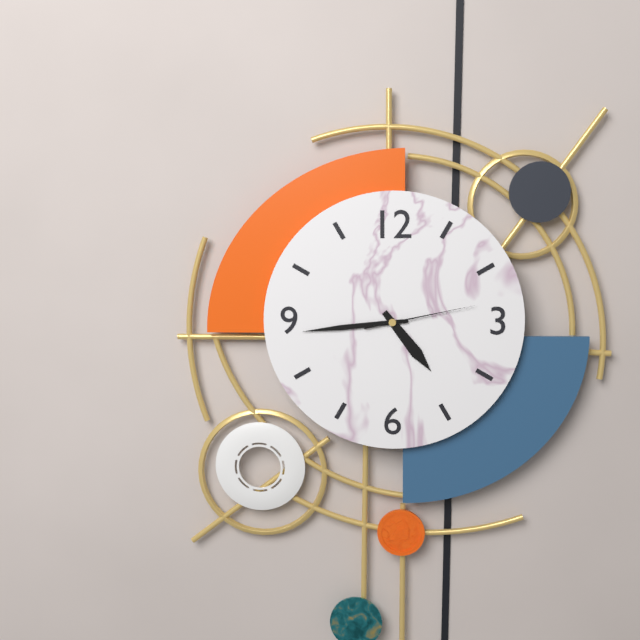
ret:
4:44:13
